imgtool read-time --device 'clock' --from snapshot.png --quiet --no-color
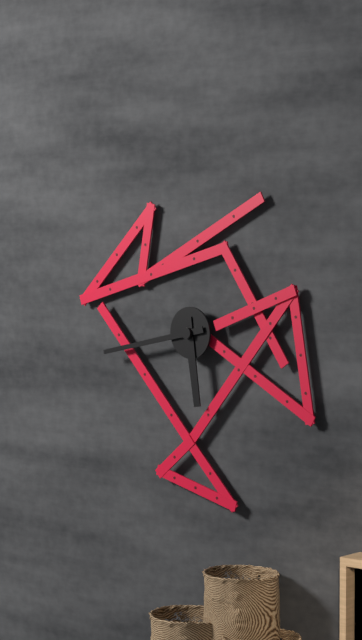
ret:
5:43
